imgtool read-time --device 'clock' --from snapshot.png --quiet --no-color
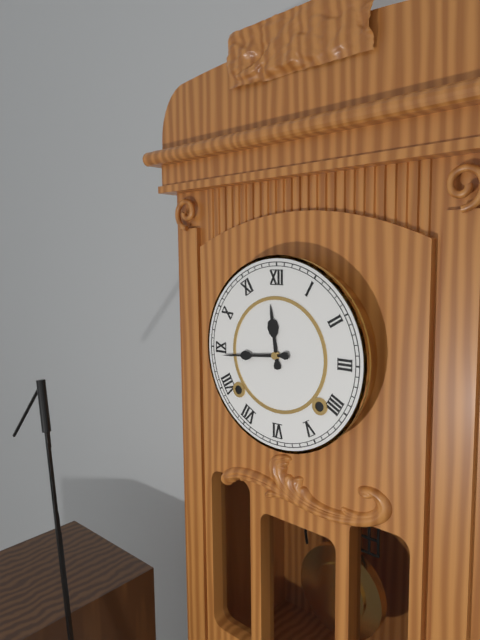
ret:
11:44
